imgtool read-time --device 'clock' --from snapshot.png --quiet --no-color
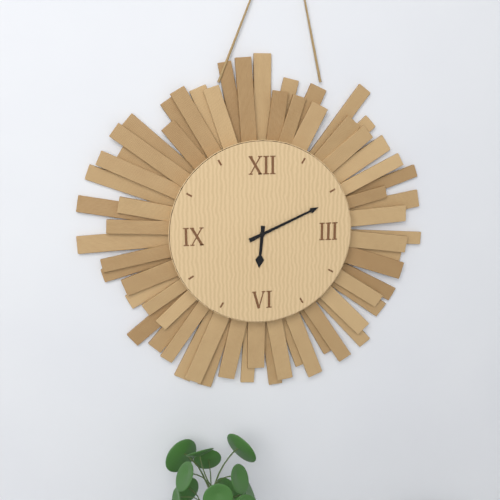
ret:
6:11
